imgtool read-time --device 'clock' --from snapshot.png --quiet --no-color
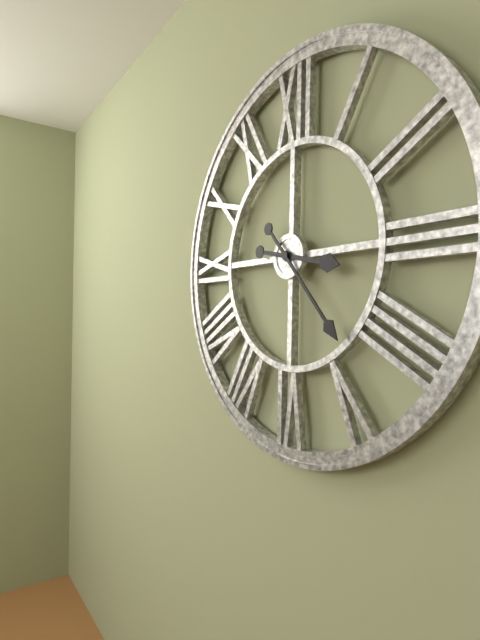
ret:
3:23
